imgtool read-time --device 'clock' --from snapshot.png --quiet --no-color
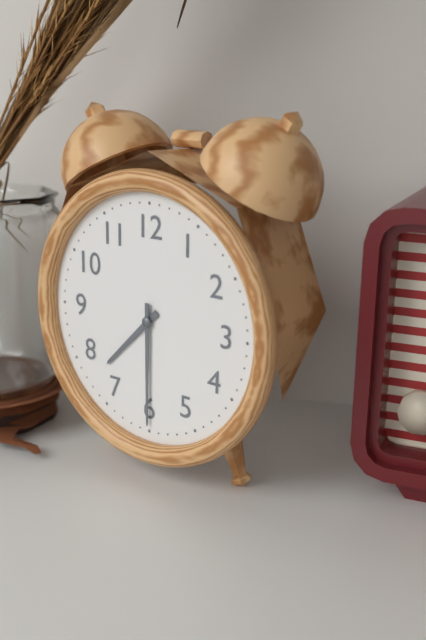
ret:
7:30
